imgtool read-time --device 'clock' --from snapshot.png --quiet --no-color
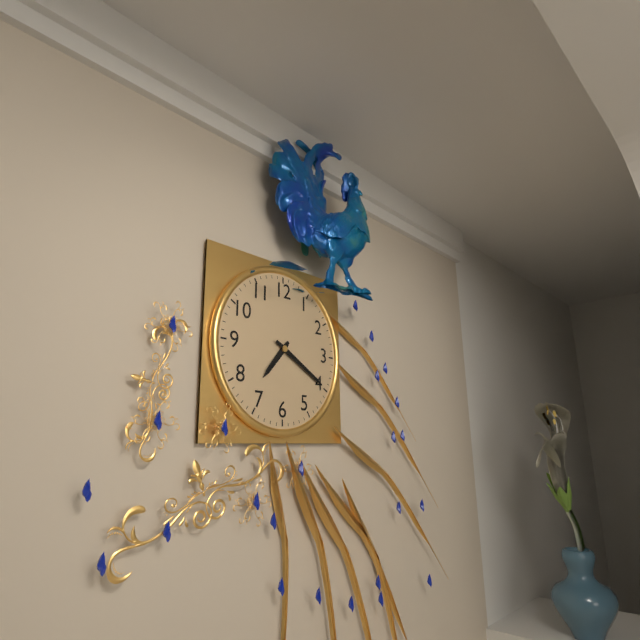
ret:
7:20
